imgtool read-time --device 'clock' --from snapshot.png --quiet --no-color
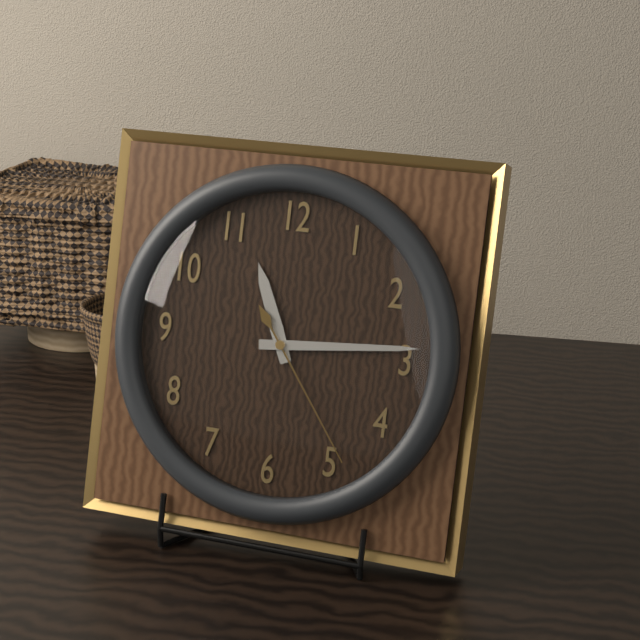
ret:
11:14:24
